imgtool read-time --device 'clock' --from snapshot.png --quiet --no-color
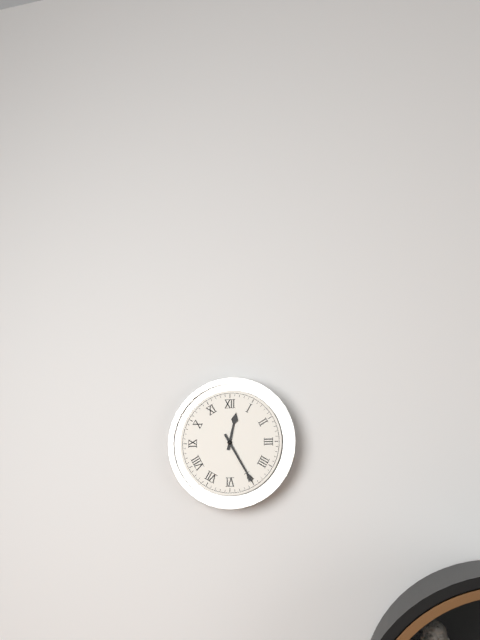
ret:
12:25
